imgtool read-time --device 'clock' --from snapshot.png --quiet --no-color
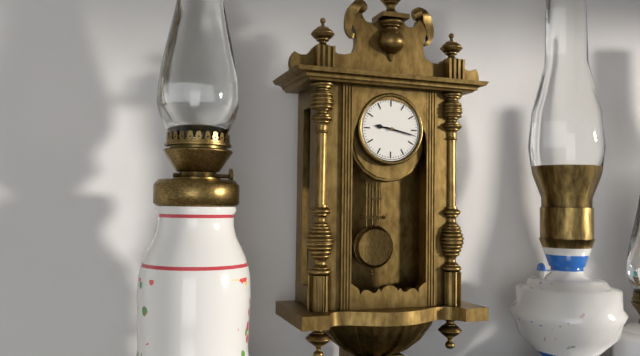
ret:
9:17
